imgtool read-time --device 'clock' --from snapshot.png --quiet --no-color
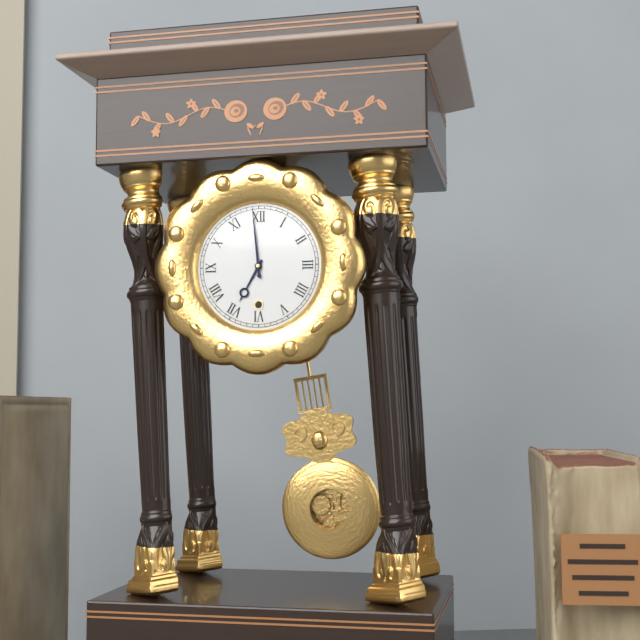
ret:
6:59
